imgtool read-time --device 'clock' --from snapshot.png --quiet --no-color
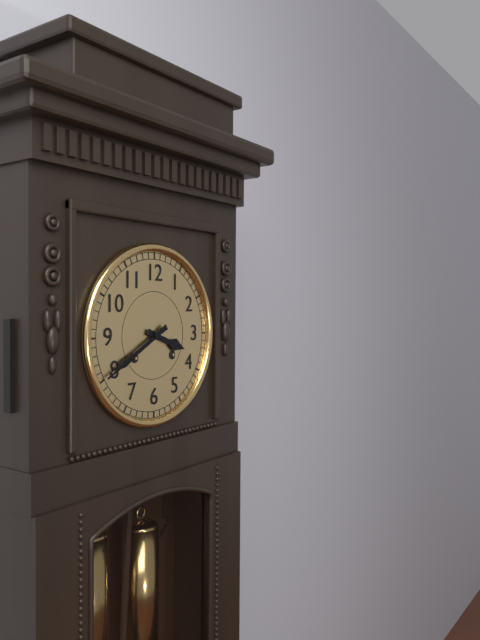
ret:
3:40
